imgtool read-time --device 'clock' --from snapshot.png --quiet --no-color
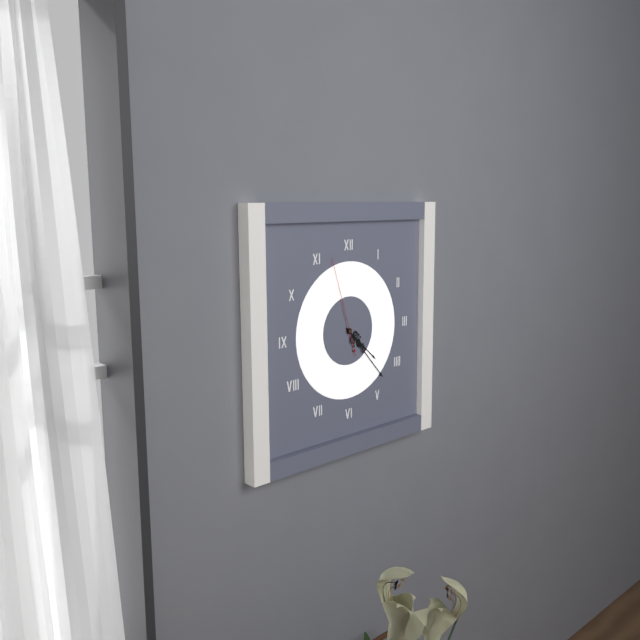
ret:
4:23:57
